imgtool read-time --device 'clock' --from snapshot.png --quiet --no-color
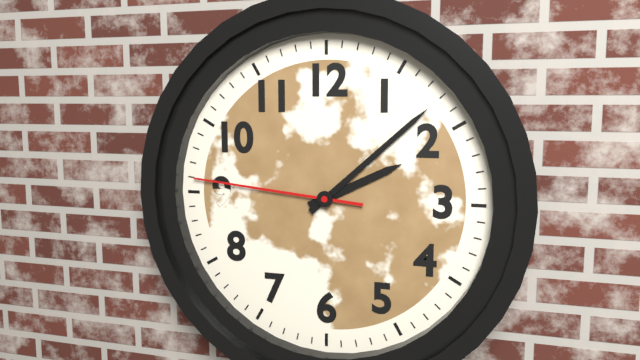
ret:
2:08:46
